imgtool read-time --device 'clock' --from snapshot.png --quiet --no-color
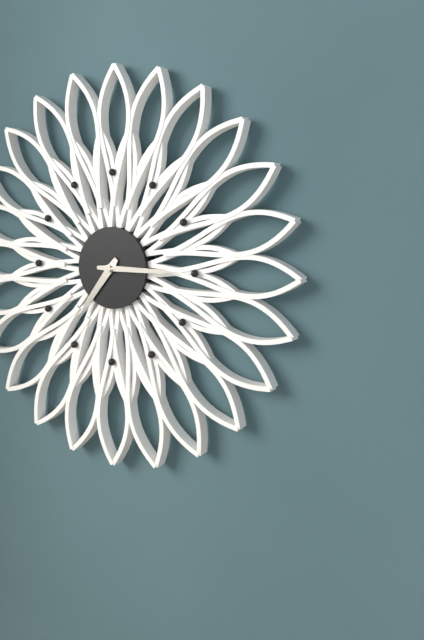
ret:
7:15
